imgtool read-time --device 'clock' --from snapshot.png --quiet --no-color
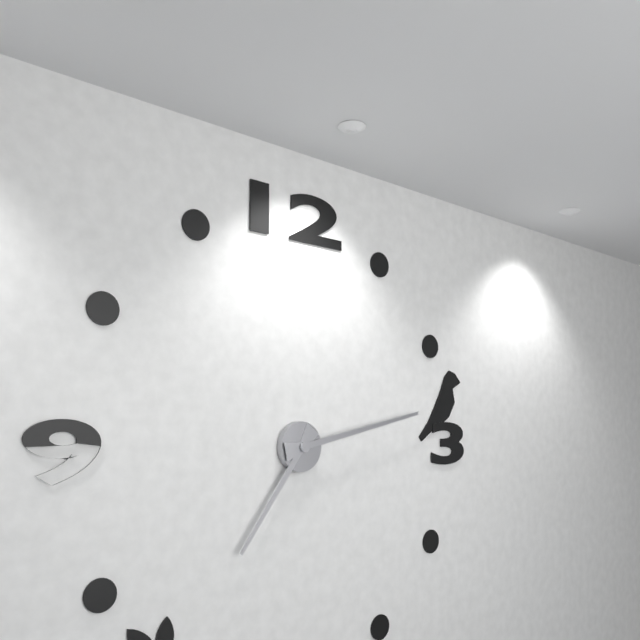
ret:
7:13
